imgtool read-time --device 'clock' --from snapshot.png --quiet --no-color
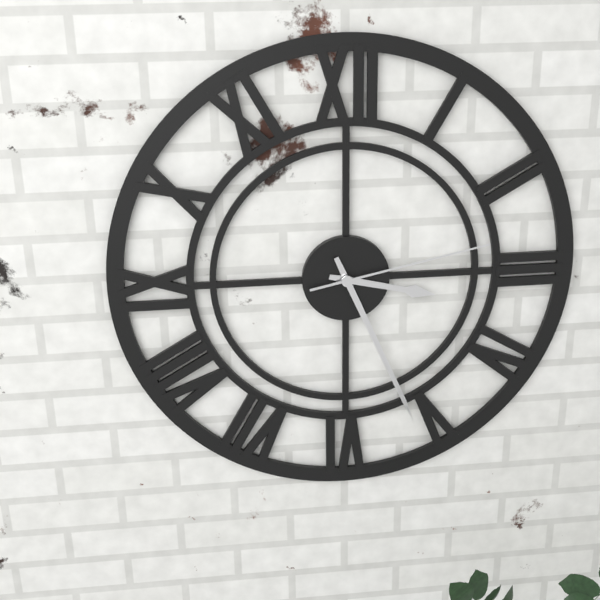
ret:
3:26:13
